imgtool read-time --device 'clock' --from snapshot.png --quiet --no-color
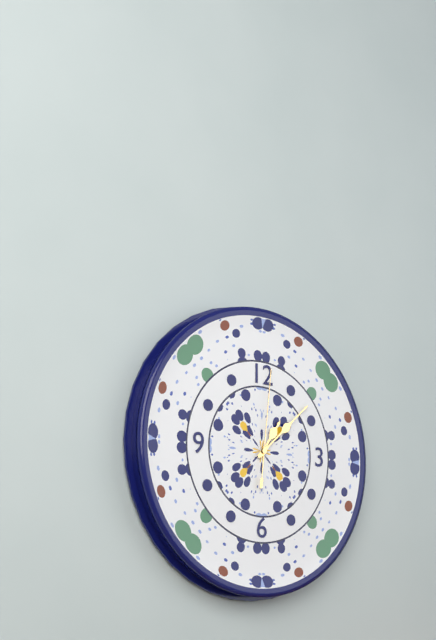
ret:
1:08:01
